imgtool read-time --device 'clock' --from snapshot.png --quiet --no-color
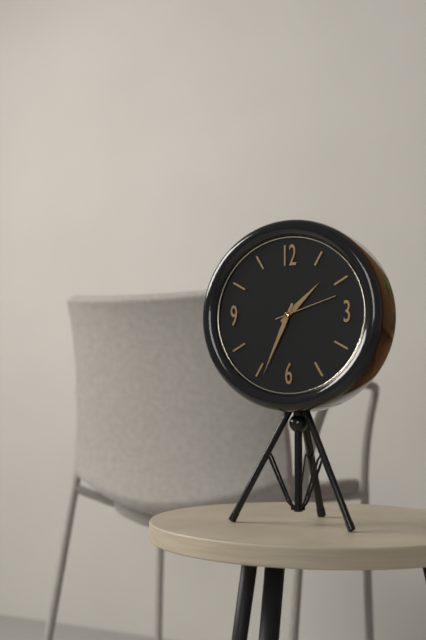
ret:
1:34:12
